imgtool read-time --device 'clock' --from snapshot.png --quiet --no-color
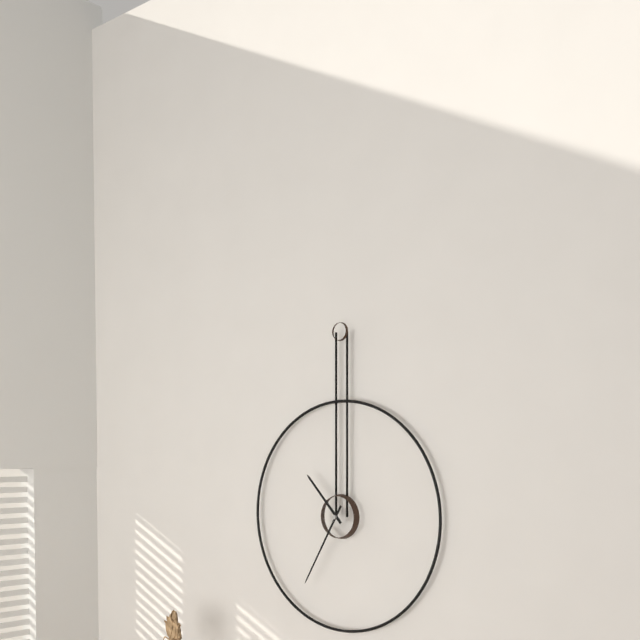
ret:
10:35
